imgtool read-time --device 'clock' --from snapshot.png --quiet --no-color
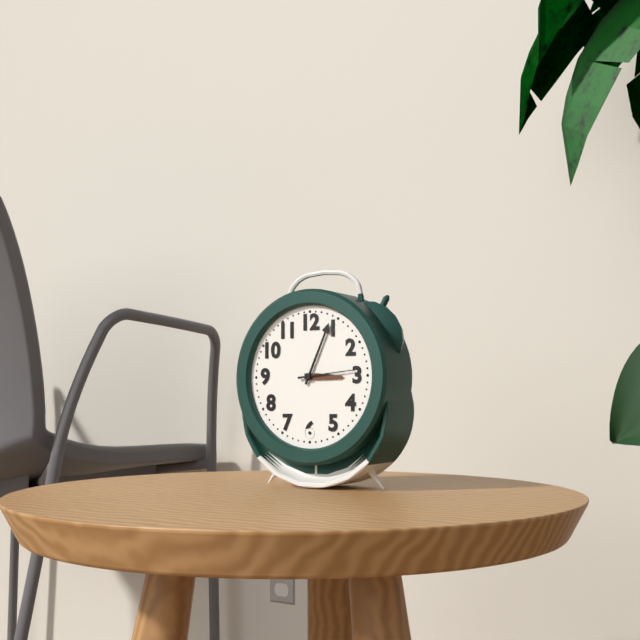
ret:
3:04:14
